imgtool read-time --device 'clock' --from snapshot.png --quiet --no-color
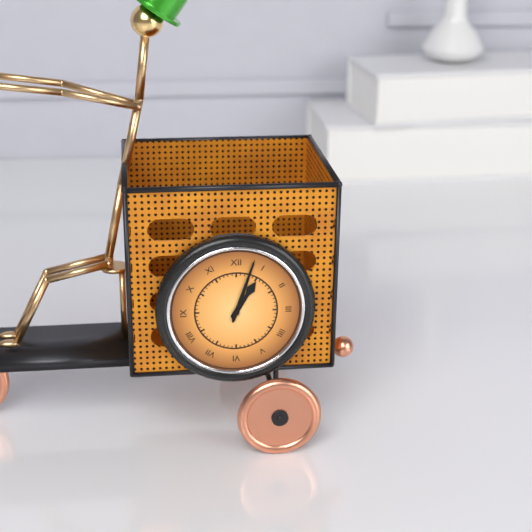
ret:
1:03
